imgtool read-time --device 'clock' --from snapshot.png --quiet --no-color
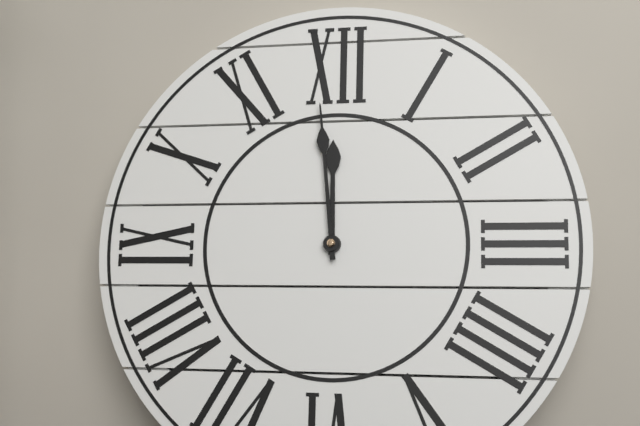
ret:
11:59
